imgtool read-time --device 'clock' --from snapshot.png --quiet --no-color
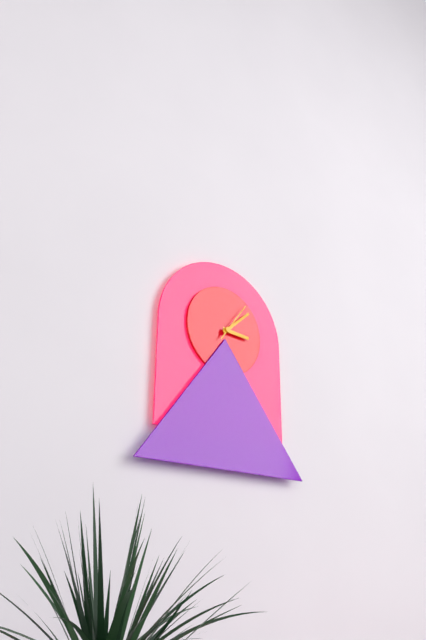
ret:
3:08
